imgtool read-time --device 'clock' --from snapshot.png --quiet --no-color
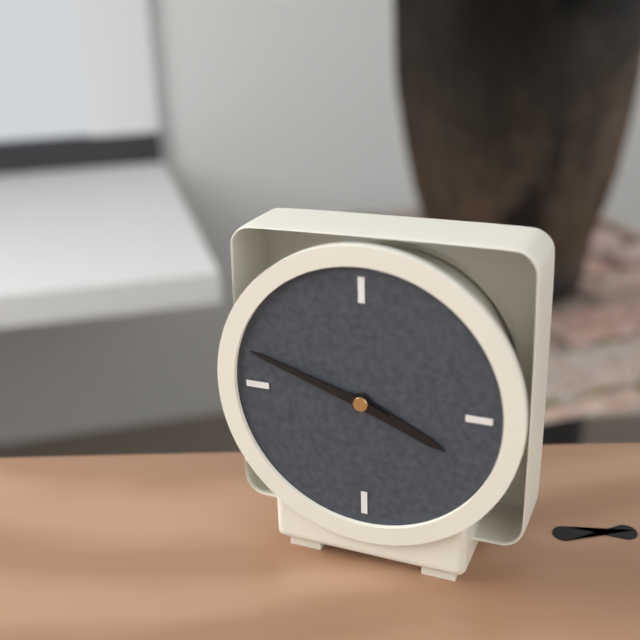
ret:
3:48
